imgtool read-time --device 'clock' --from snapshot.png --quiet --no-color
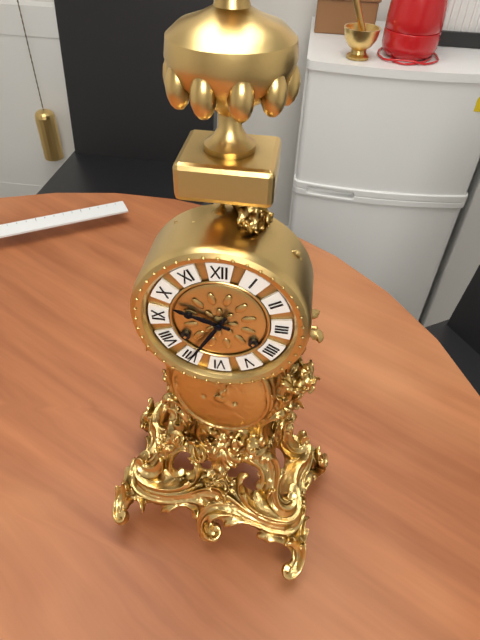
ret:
9:35
